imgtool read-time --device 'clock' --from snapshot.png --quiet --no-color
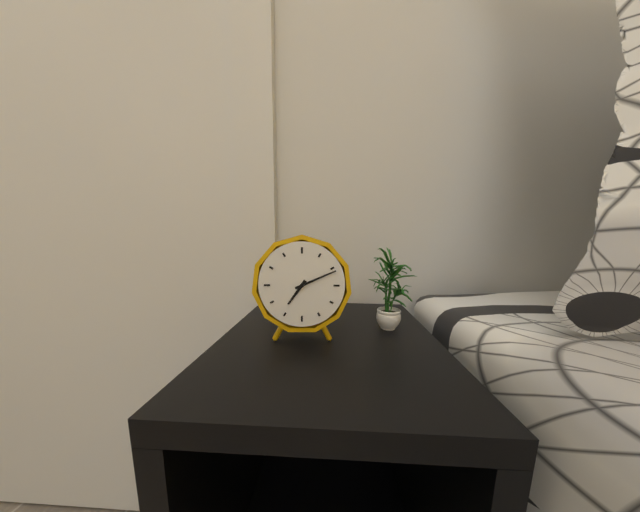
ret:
7:11
